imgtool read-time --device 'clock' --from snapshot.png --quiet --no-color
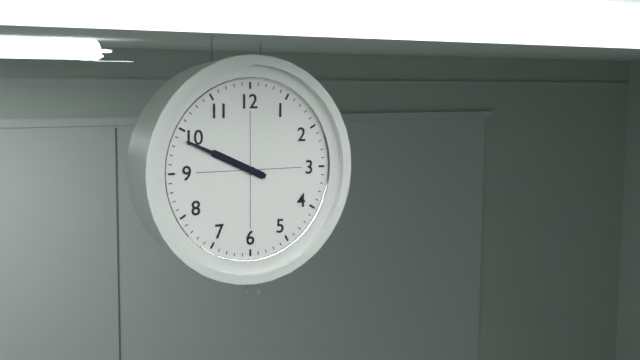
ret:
9:49
